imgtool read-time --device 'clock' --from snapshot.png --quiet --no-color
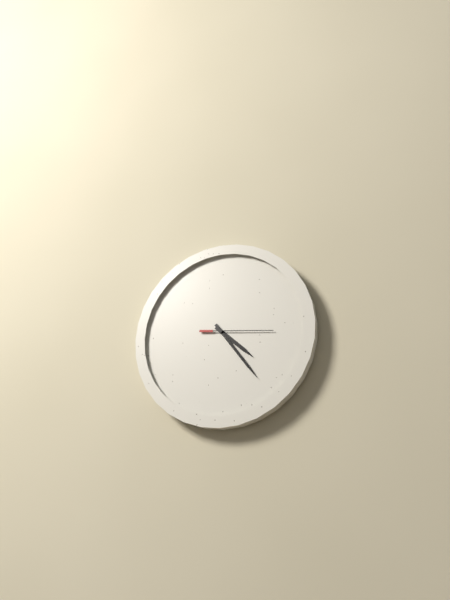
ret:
4:24:16
